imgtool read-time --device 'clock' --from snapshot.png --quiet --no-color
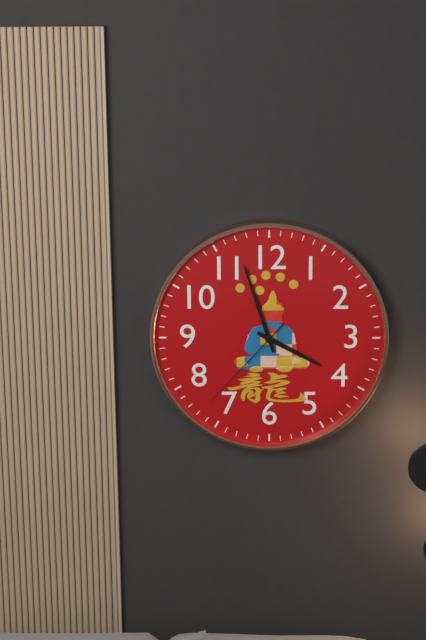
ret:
3:57:37
